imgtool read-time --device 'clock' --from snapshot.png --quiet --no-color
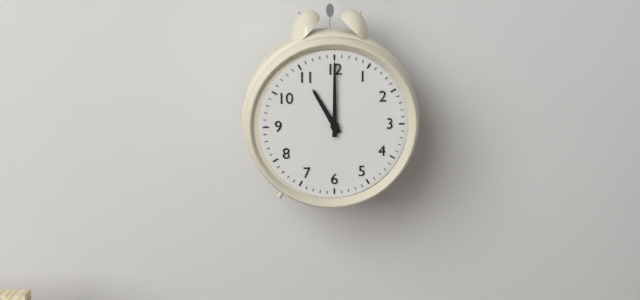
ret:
11:00
